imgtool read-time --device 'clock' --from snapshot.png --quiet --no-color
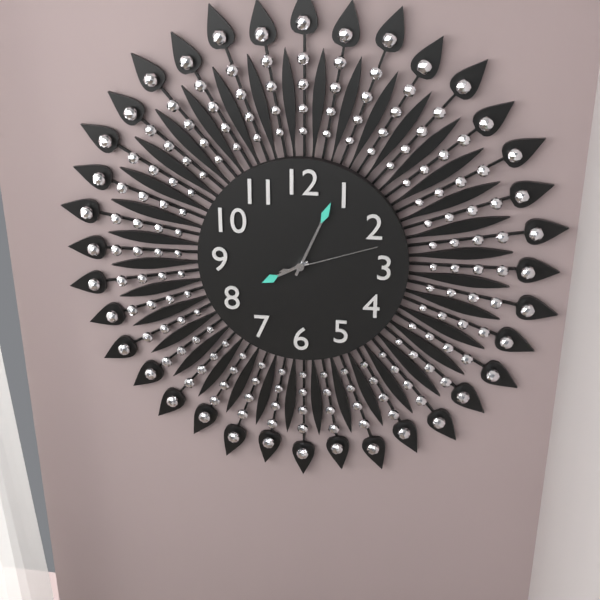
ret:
8:04:12
